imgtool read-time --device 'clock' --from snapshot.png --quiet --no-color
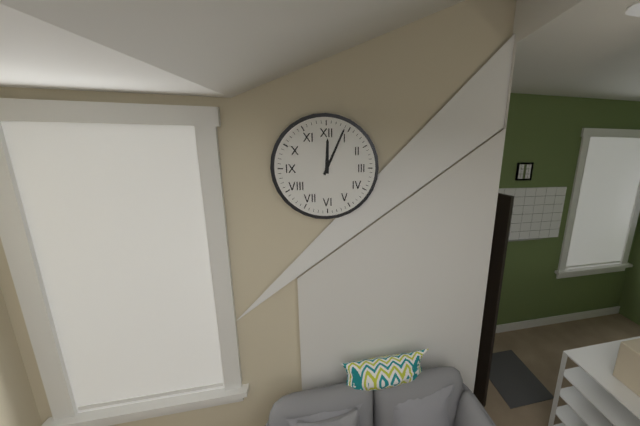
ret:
12:04
